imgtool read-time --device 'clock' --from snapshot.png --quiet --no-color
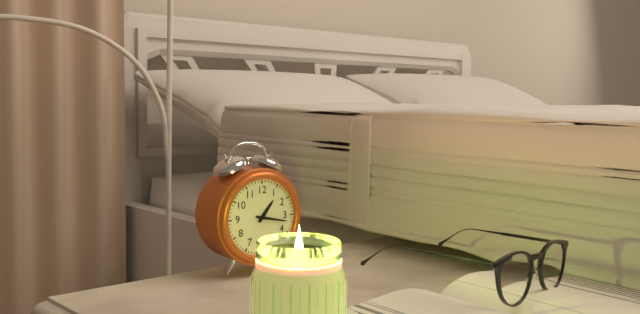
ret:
1:17
